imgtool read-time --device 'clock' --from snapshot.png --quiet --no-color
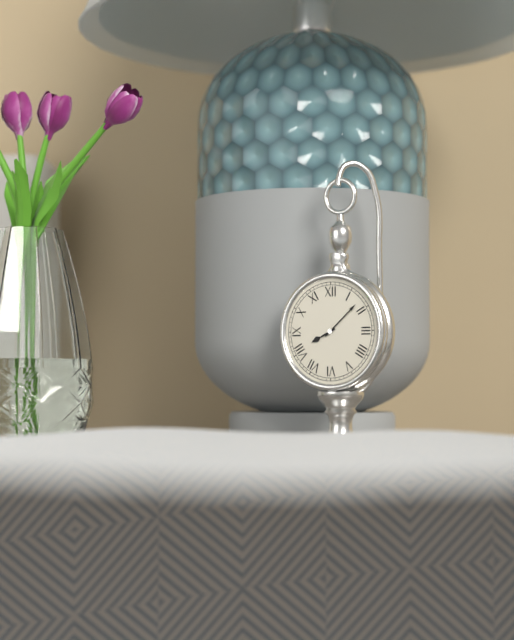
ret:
8:08
